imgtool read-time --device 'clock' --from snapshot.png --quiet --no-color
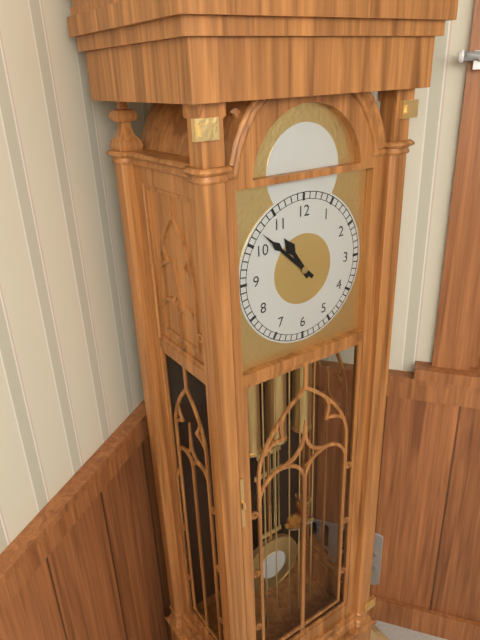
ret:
10:52
